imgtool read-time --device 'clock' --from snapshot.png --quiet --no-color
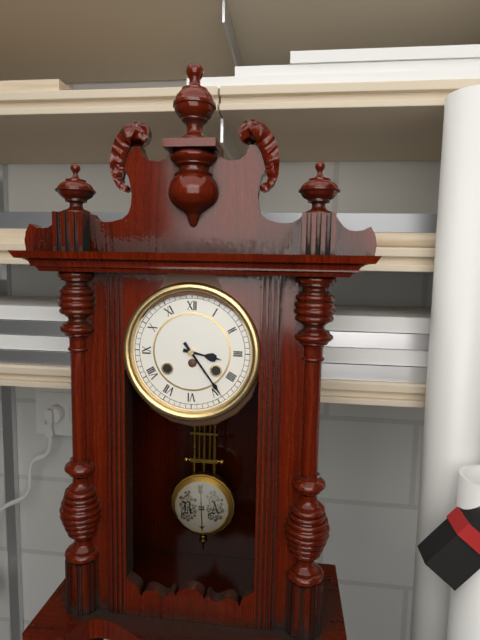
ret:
3:24
